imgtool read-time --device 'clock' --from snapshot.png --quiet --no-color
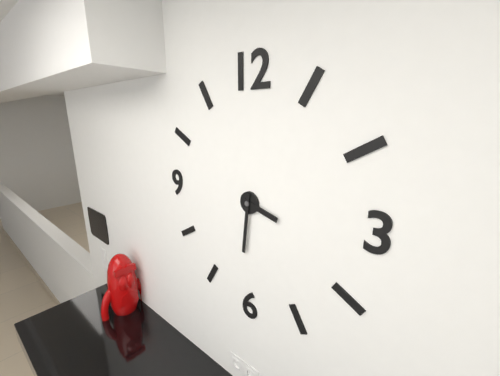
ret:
3:31
